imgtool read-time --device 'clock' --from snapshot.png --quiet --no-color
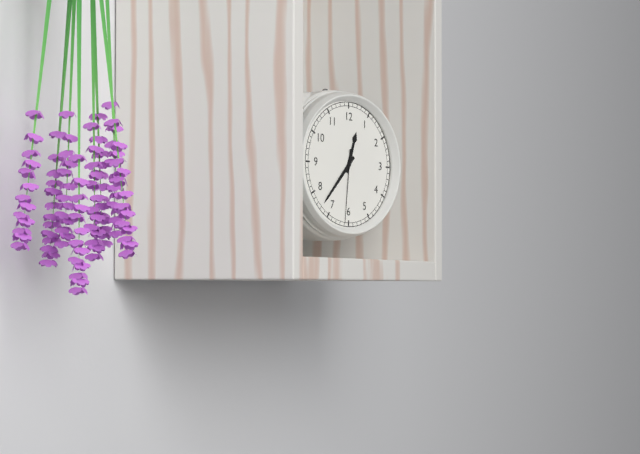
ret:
12:37:31
